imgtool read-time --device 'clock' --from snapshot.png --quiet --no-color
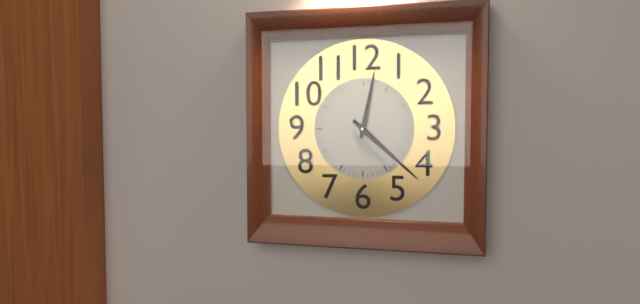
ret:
12:22
